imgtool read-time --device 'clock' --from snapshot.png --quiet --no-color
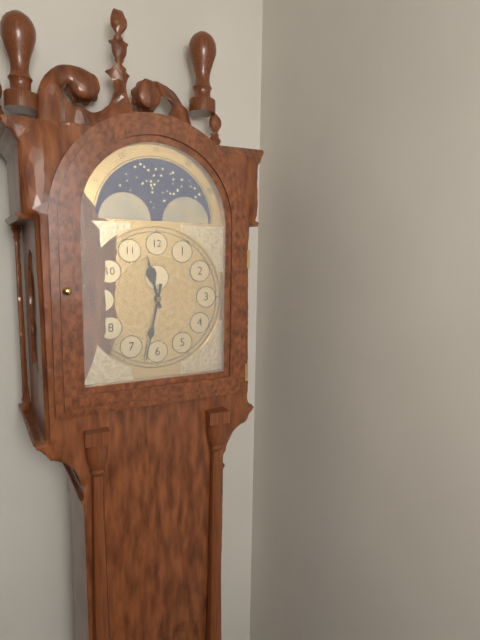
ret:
11:32
